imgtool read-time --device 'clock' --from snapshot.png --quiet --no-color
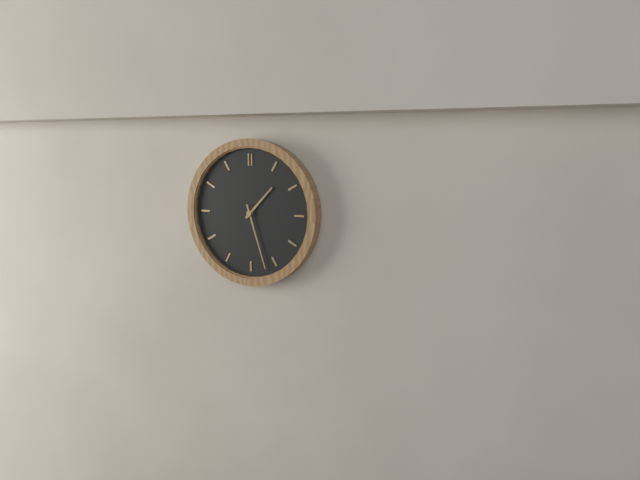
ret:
1:27
